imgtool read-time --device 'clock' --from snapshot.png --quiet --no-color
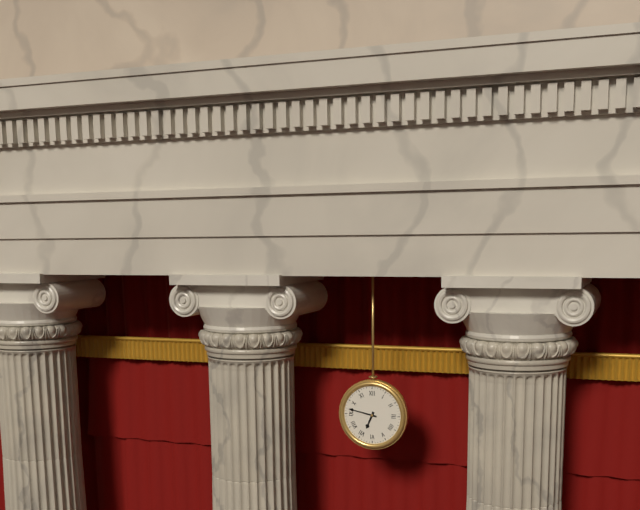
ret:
6:47
